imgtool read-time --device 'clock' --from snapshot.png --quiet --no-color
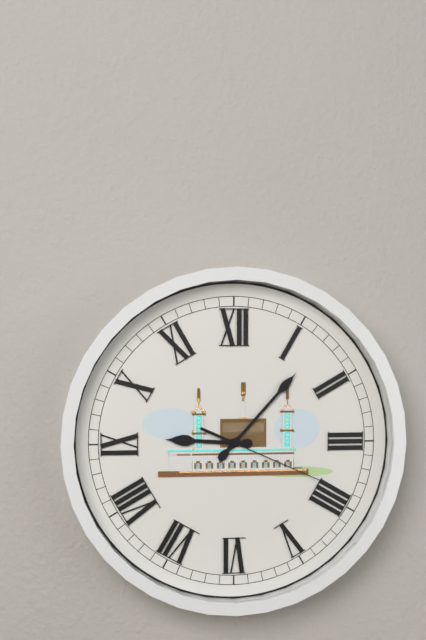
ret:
9:07:19
